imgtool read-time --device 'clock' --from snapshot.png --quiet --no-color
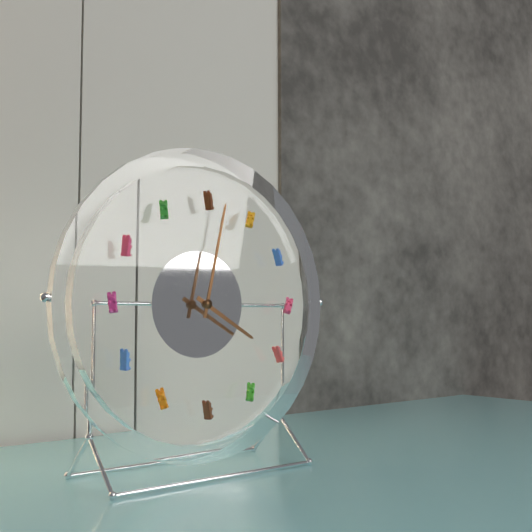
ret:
4:02
